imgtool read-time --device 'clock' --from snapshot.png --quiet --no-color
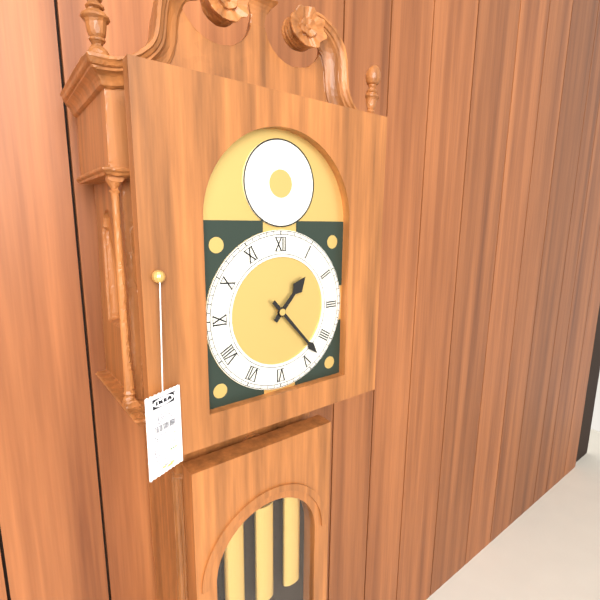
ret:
1:23
